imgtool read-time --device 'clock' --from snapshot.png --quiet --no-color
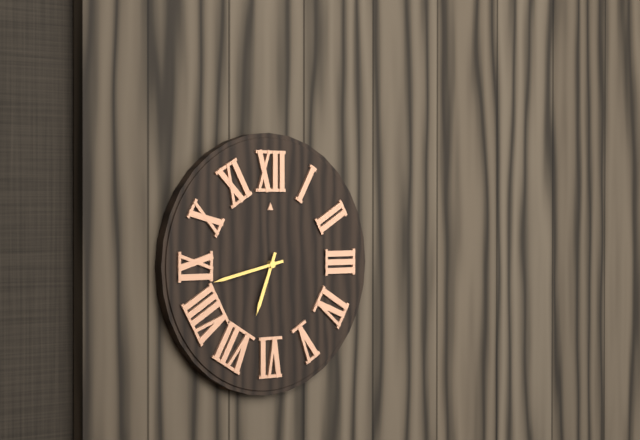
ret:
6:43
